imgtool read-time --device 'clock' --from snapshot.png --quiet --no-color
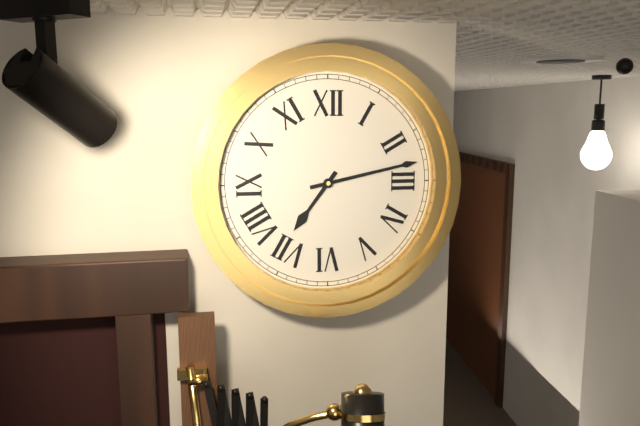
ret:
7:13
